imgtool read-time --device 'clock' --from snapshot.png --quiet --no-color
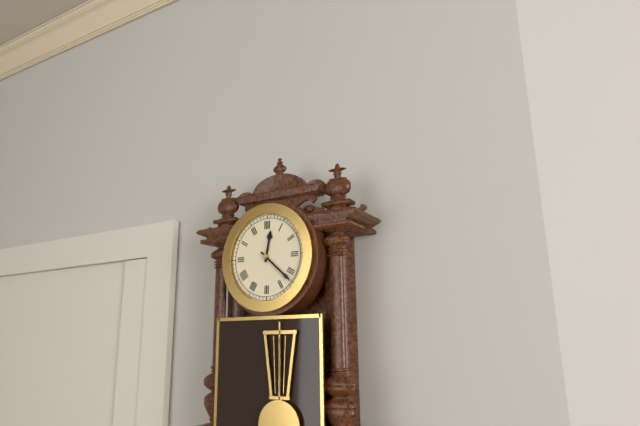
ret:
12:22
